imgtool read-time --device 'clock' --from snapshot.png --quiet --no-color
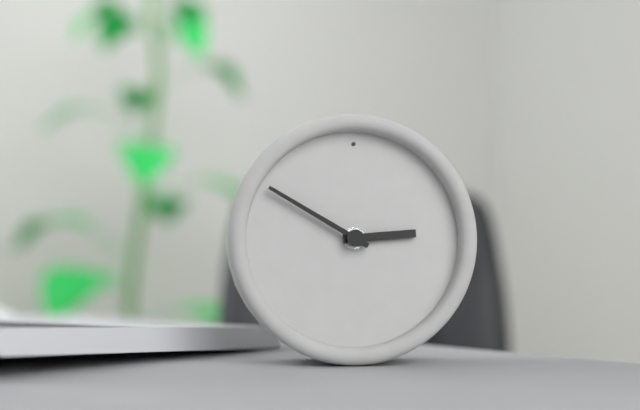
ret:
2:50
